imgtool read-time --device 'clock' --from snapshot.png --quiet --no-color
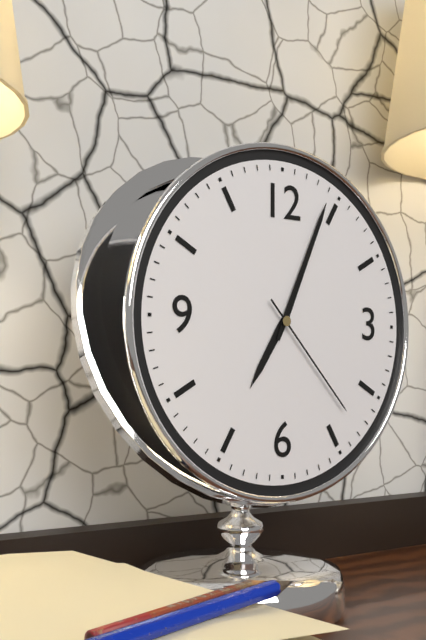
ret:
7:04:23
